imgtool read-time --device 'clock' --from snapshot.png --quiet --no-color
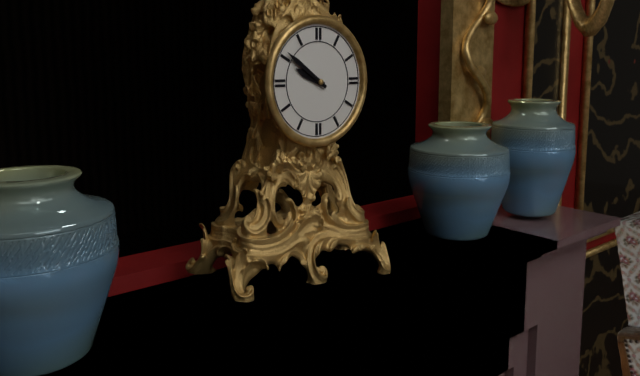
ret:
9:51
